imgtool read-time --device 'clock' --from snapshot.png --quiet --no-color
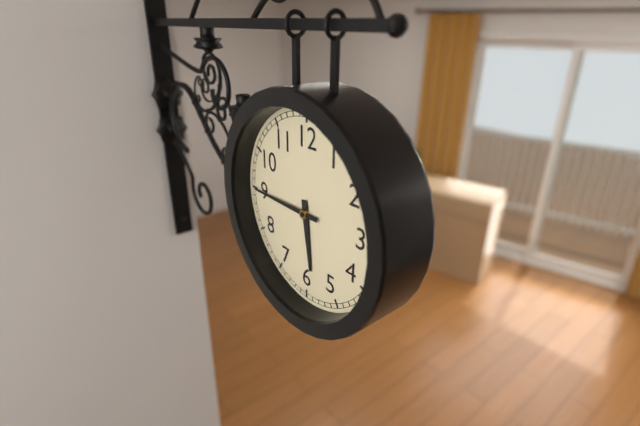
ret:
5:45
